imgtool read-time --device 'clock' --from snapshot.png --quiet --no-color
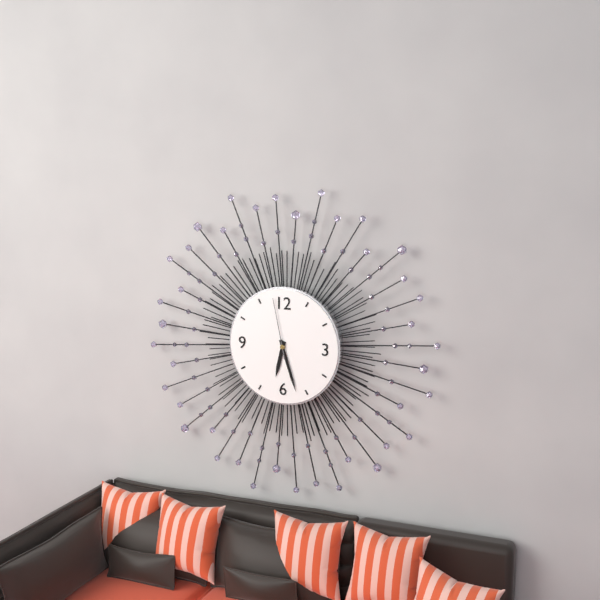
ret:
6:27:58
